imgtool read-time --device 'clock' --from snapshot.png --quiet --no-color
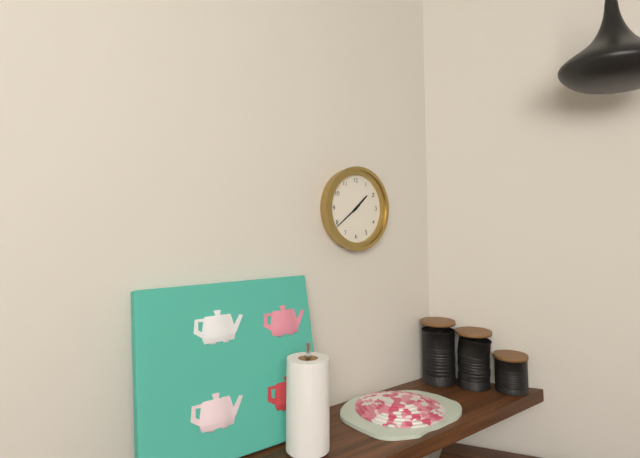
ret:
1:39
